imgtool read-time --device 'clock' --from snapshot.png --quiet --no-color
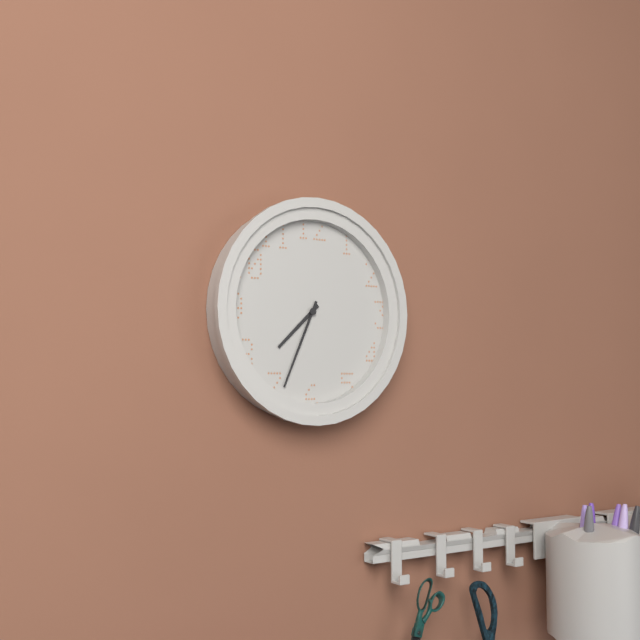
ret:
7:34
